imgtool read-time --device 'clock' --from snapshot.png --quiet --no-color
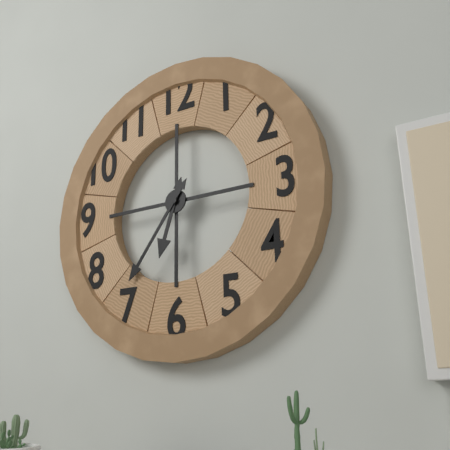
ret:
6:36
